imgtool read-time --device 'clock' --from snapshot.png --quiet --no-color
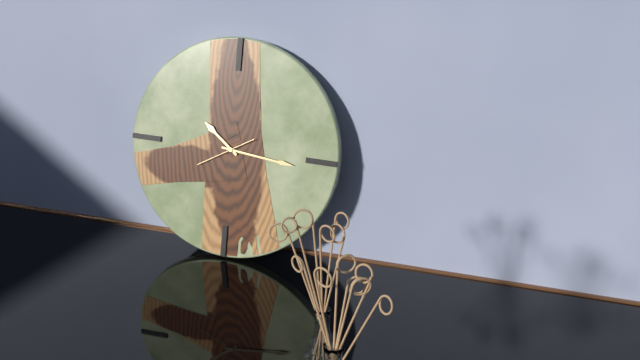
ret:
10:16:40
